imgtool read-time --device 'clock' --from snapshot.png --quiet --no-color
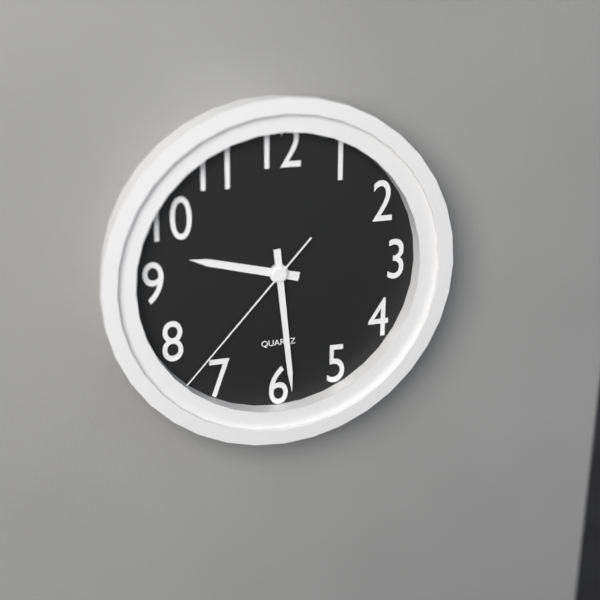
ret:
9:29:37
